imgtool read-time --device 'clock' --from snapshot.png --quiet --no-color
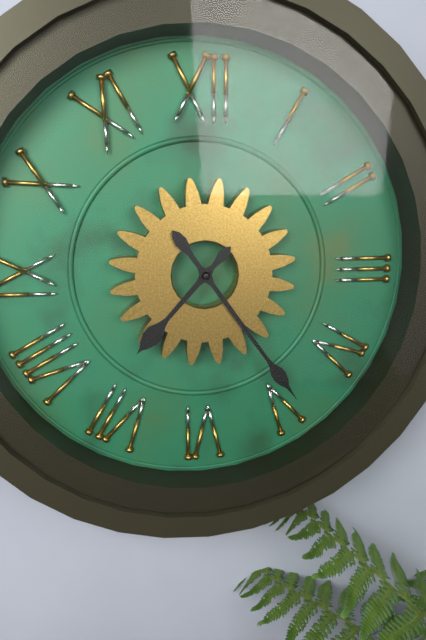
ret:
7:24
